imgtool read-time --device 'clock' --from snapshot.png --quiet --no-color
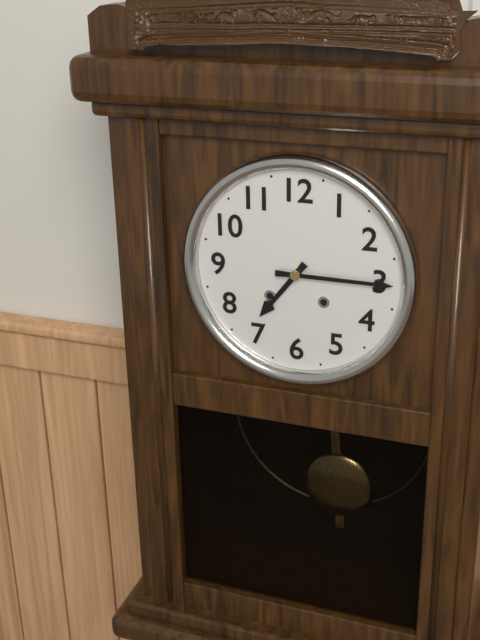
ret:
7:15
